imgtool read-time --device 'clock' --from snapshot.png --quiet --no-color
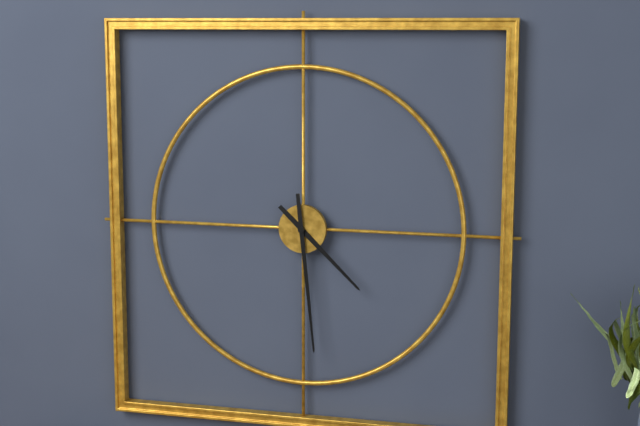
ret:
4:29
